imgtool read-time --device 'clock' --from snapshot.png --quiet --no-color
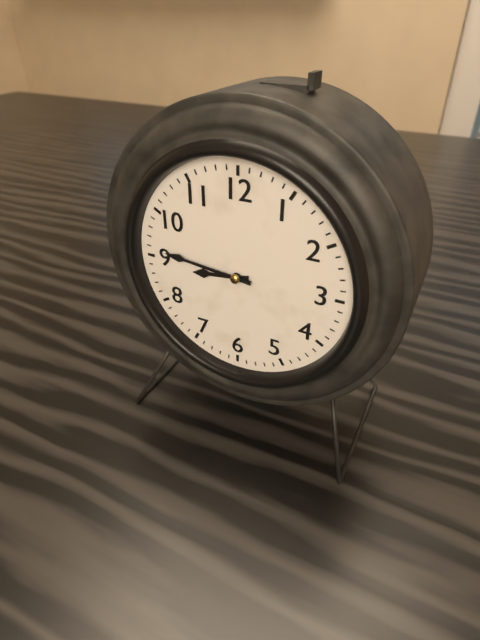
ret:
8:46
